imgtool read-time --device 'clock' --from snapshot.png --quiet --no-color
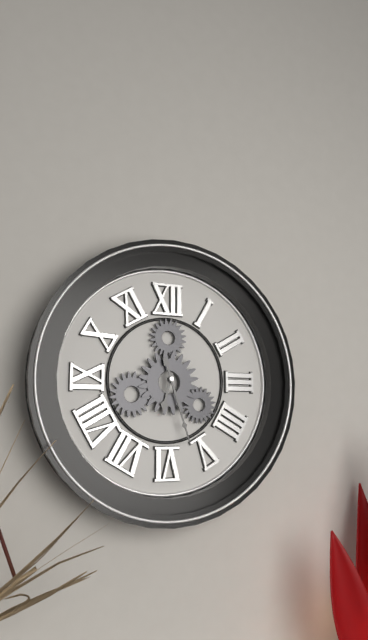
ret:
6:27
